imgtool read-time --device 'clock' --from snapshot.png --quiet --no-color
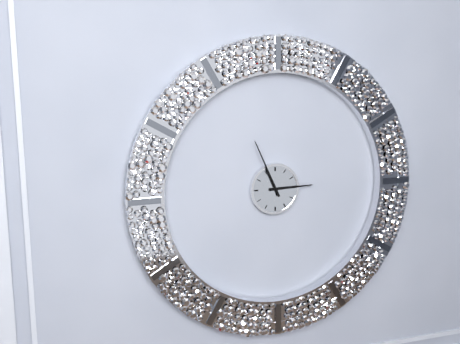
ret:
2:56
